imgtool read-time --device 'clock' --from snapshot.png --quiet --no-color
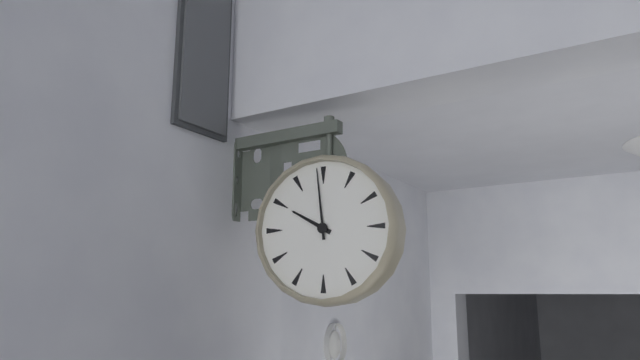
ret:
9:59
